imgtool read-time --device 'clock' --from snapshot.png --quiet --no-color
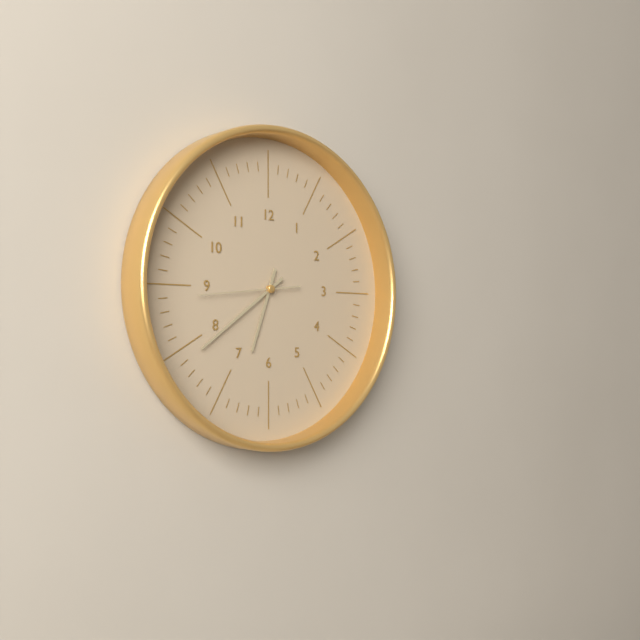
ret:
6:39:44
